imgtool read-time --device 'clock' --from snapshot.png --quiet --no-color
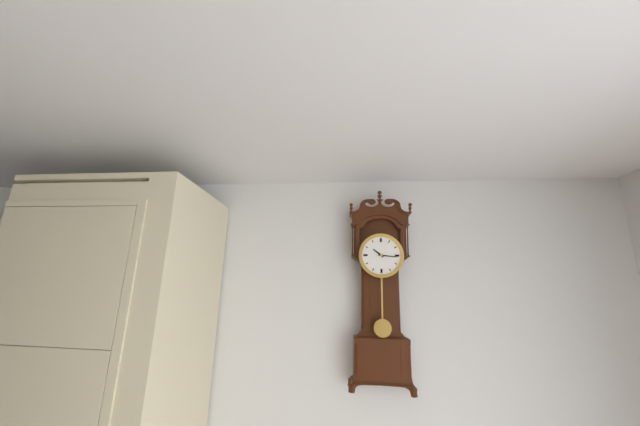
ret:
10:16
